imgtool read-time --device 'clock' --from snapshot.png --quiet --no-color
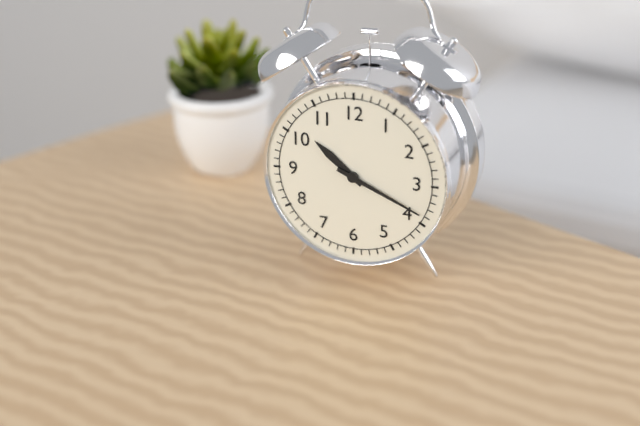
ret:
10:19
